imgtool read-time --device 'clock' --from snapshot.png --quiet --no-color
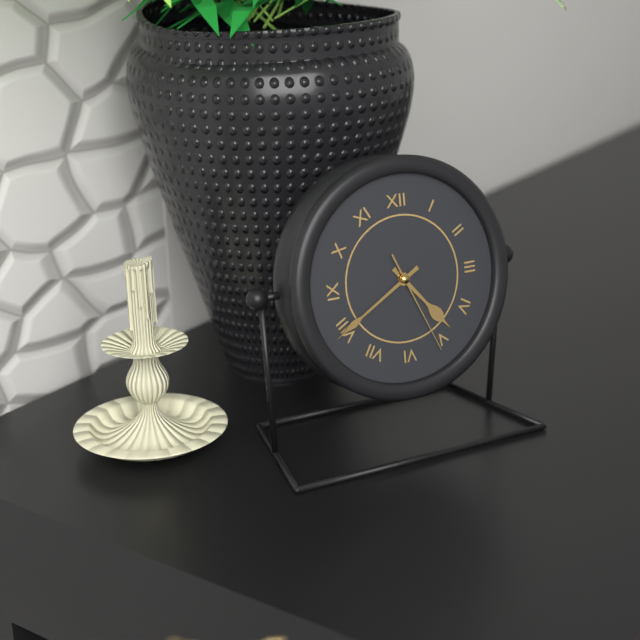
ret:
4:40:26
